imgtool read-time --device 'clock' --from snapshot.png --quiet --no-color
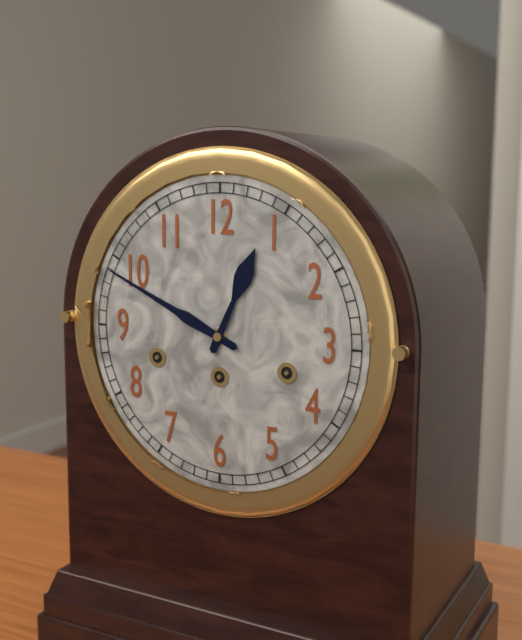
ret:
12:49
